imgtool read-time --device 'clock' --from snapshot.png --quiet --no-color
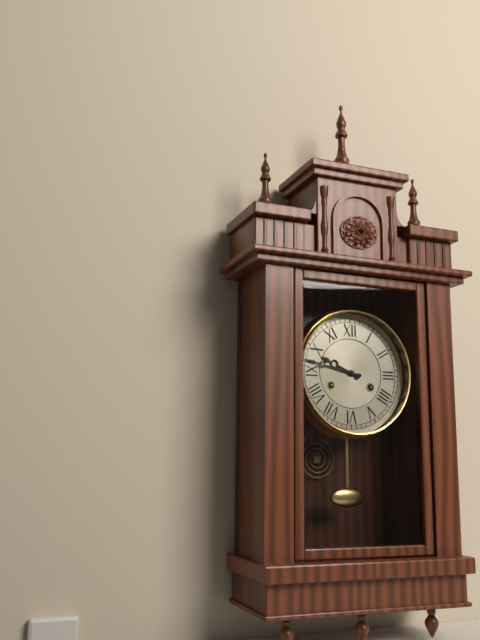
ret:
9:47
